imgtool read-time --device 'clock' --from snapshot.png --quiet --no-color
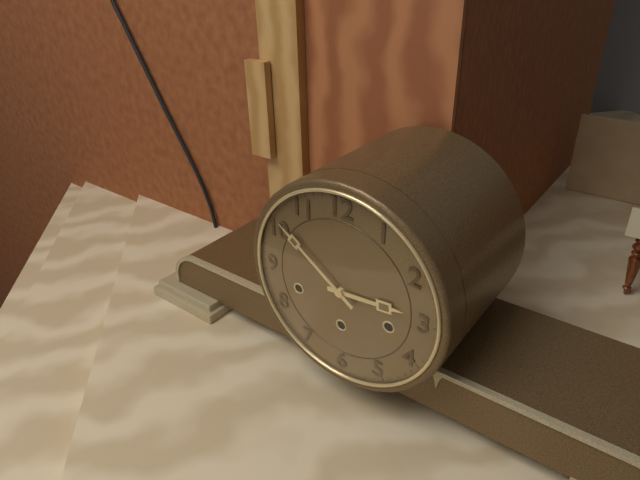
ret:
2:51
